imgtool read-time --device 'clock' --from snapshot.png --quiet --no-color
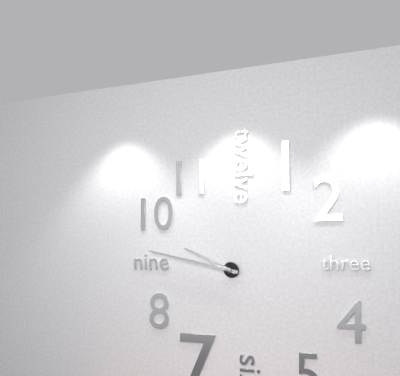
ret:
9:47
